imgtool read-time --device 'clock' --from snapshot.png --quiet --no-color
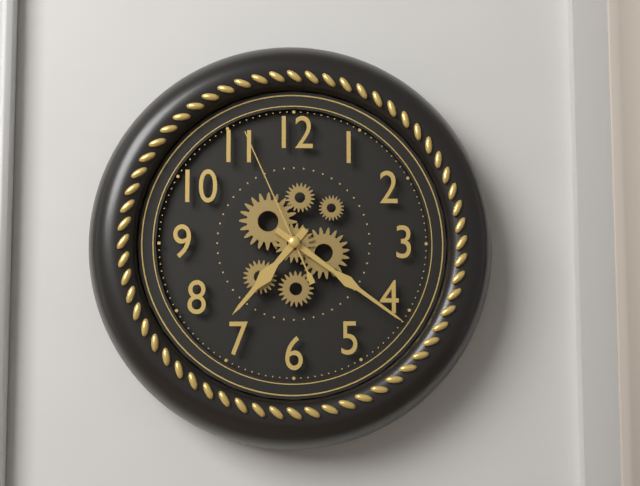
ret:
7:21:56
